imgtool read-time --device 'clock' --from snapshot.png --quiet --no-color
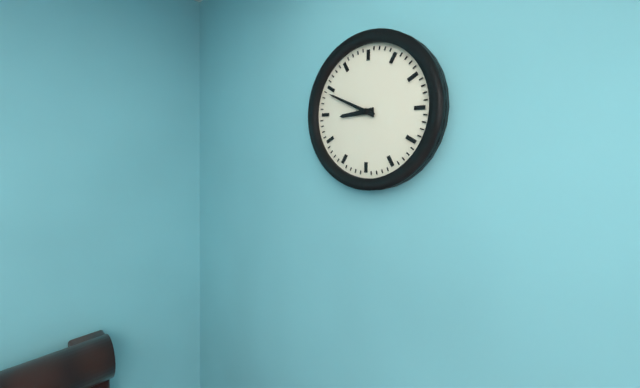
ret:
8:49
